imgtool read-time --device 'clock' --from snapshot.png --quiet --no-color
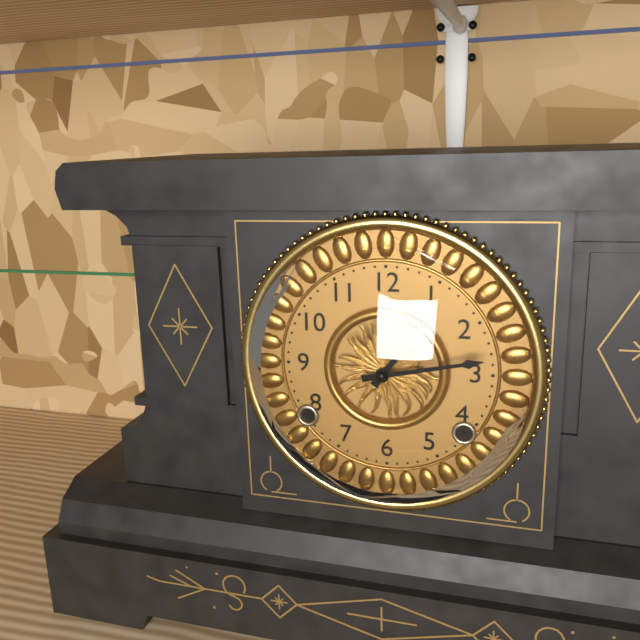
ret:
1:13
